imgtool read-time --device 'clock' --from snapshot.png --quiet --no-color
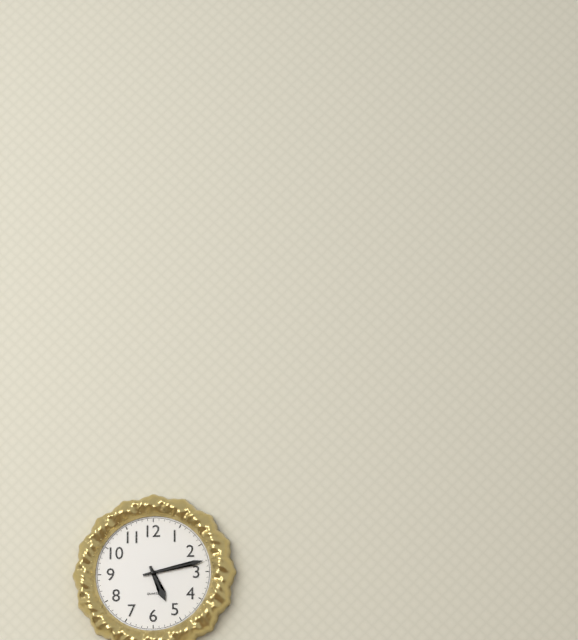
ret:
5:13
